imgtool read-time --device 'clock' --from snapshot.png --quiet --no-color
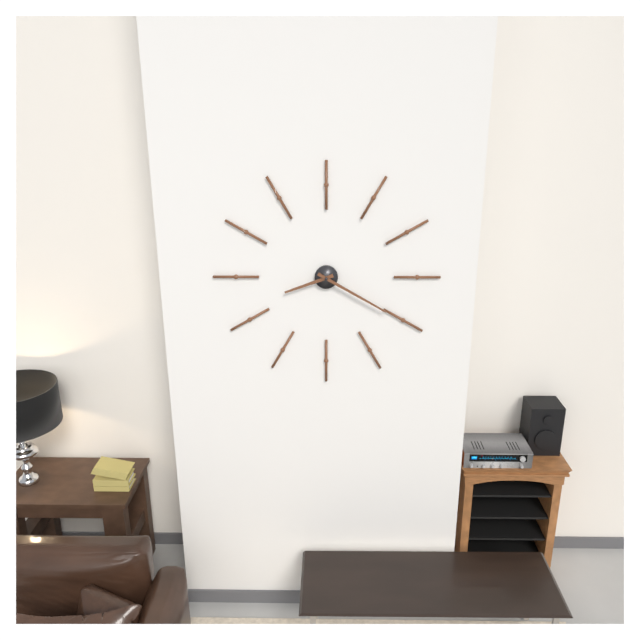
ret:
8:20
